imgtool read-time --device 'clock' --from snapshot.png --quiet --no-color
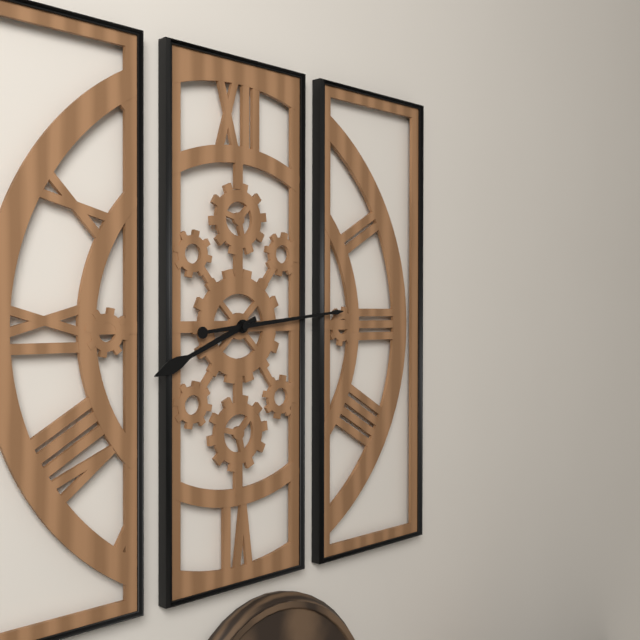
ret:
8:14
